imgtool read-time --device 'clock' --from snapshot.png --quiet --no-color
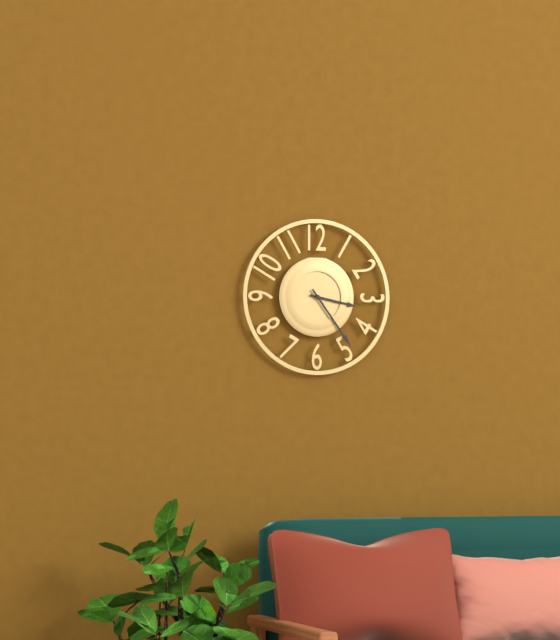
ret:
3:24
